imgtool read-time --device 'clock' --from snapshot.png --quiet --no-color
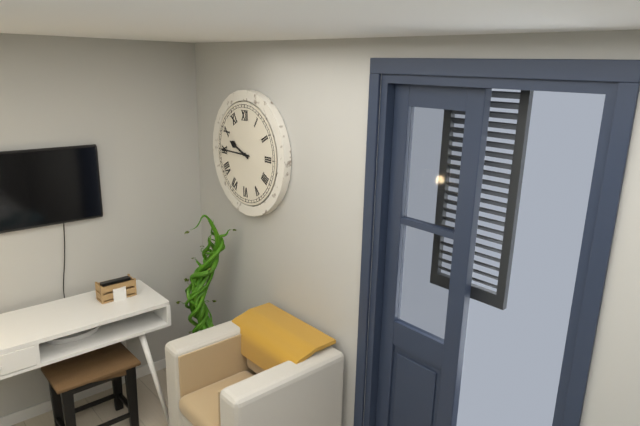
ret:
9:45
